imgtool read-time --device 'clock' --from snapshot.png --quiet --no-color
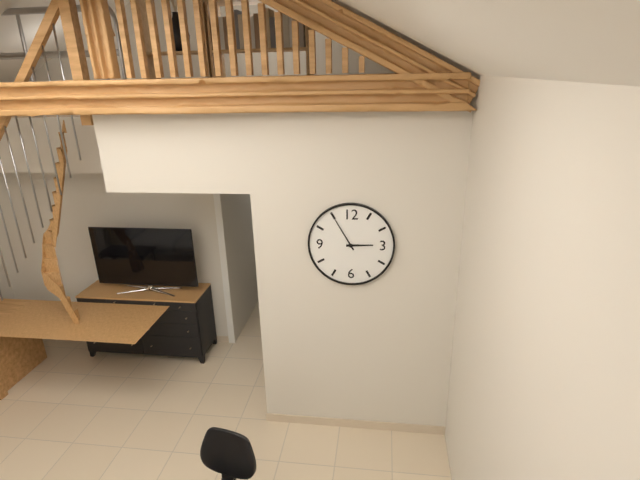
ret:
2:55
